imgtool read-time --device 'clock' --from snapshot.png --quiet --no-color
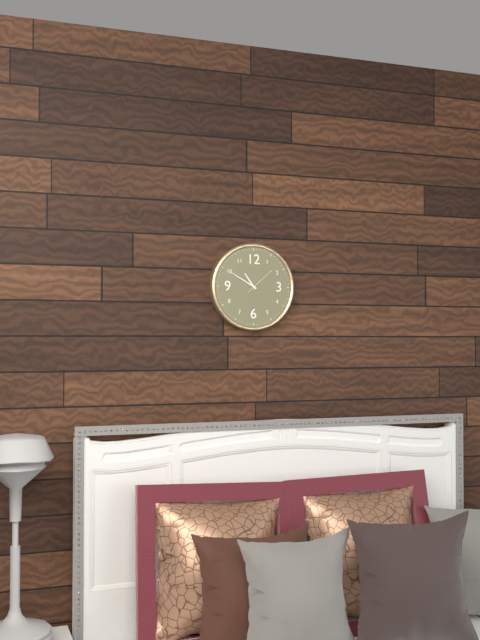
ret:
10:50
